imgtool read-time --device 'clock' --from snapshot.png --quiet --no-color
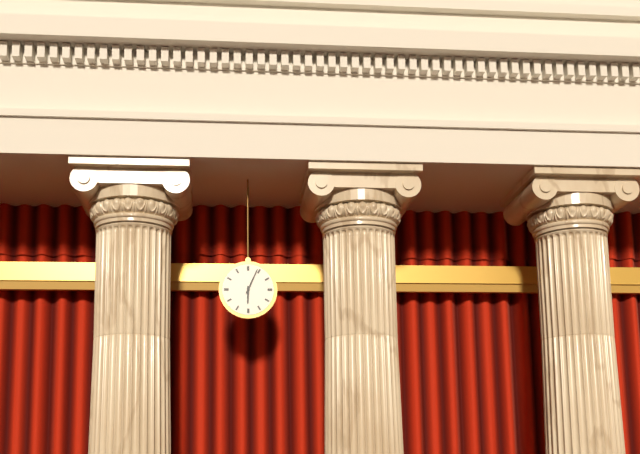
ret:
6:04
